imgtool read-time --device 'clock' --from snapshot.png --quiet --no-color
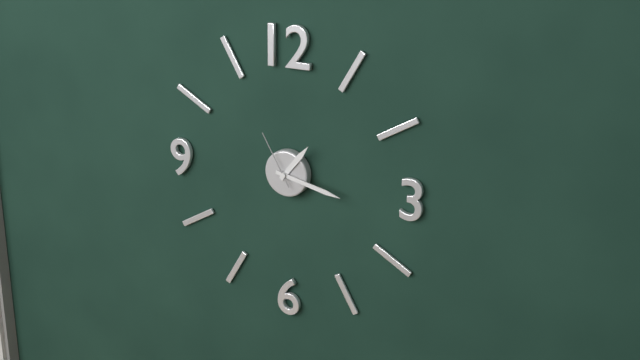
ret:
1:17:55
